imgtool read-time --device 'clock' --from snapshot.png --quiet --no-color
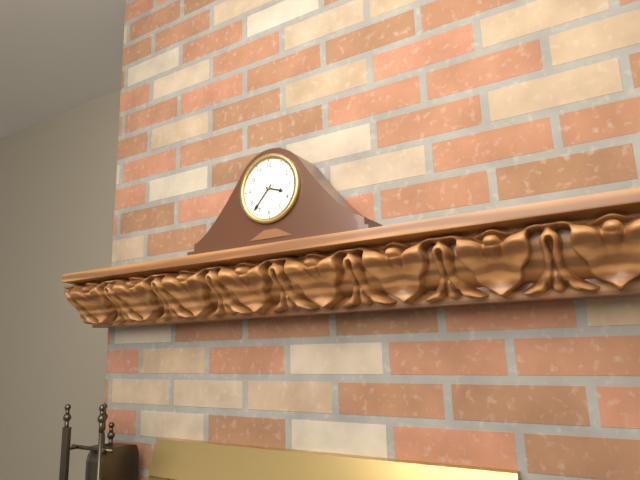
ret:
3:37
